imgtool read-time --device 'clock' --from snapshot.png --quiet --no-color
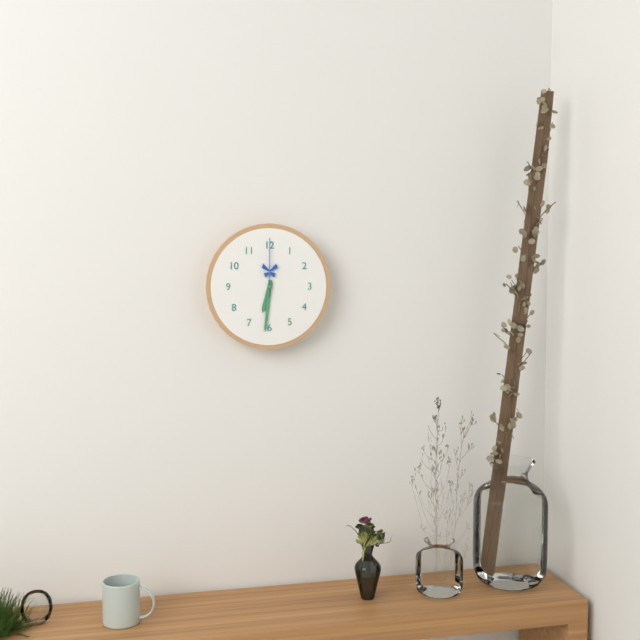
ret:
6:31:00
